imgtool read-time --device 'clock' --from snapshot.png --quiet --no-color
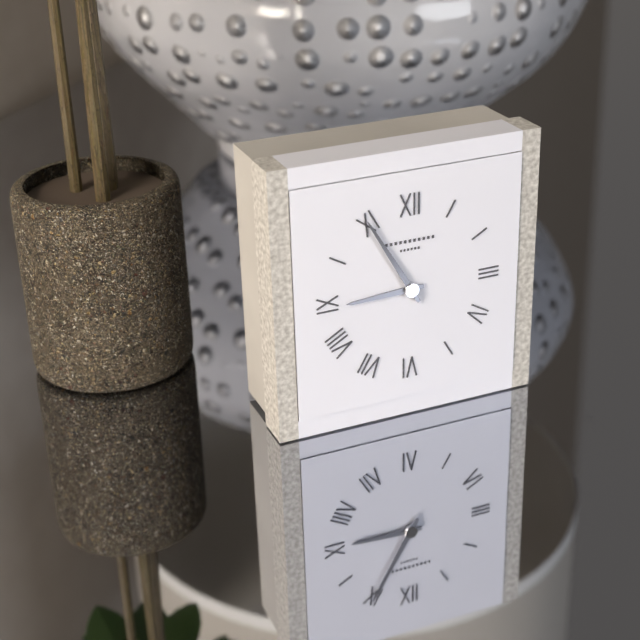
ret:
8:55
